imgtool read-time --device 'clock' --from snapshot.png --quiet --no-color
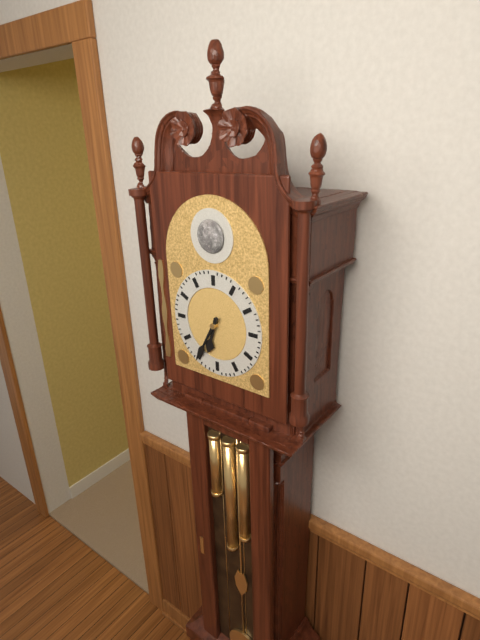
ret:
6:35
